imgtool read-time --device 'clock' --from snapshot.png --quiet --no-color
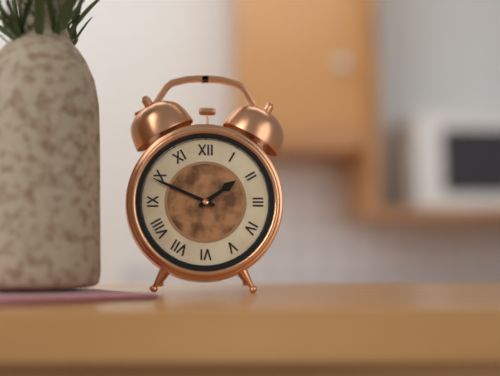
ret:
1:49
